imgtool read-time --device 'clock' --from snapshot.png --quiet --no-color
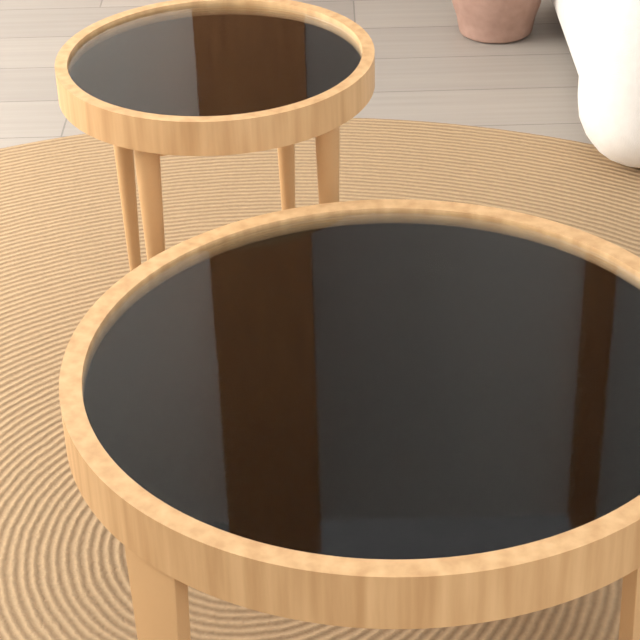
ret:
9:03
